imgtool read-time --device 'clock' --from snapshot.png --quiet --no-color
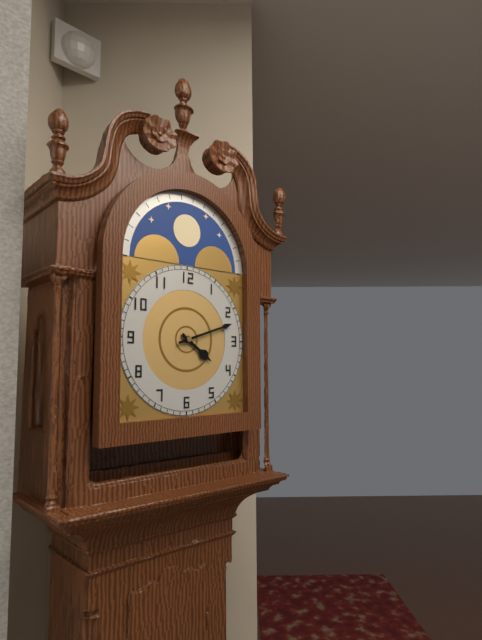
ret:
4:12
